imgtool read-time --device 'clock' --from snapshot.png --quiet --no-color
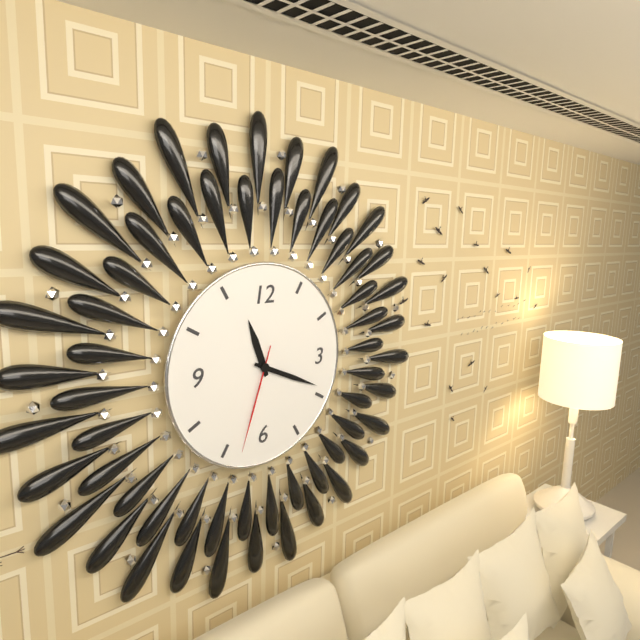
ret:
11:19:33
